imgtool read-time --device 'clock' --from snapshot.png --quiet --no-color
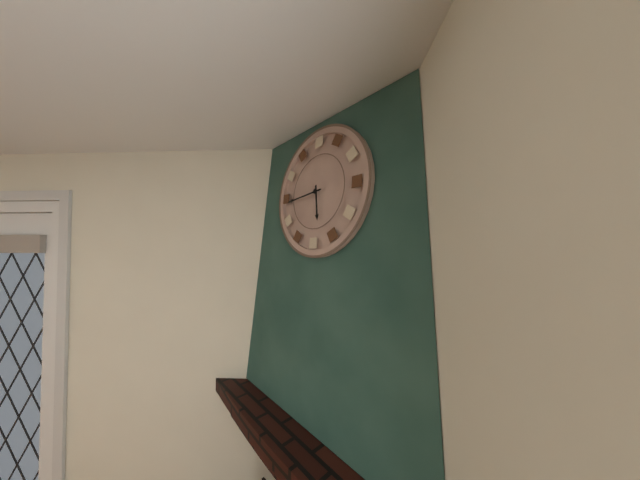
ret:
5:44
